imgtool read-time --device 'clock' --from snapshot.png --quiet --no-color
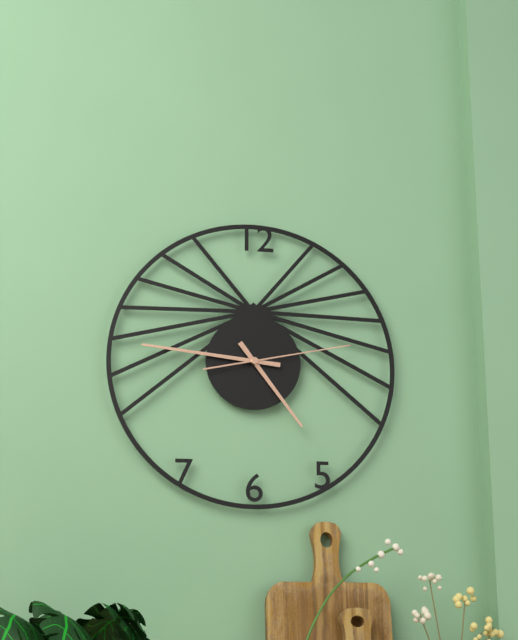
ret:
4:46:13
